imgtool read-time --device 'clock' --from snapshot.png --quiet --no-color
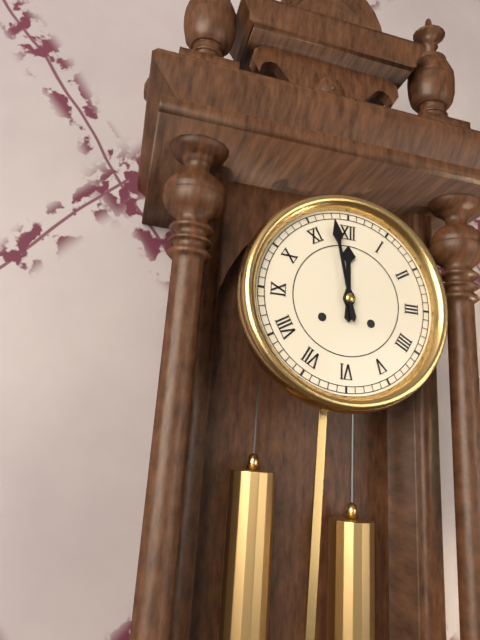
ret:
11:58
